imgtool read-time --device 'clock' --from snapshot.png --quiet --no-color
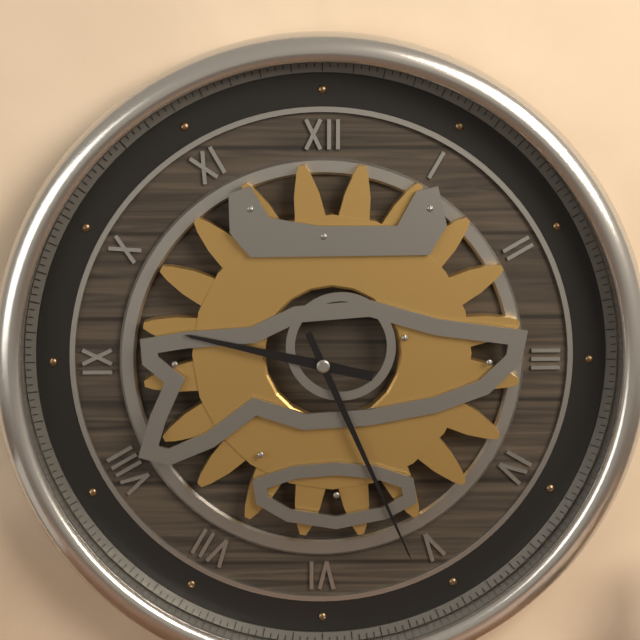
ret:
9:26
